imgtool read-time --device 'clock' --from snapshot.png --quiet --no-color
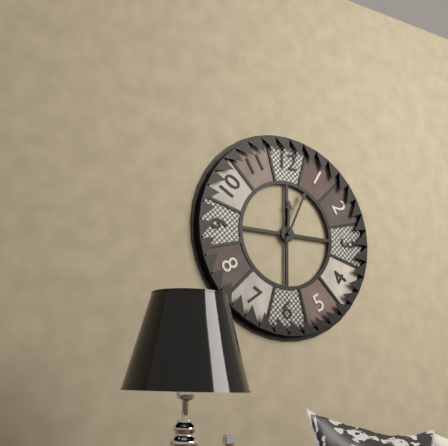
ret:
12:04
